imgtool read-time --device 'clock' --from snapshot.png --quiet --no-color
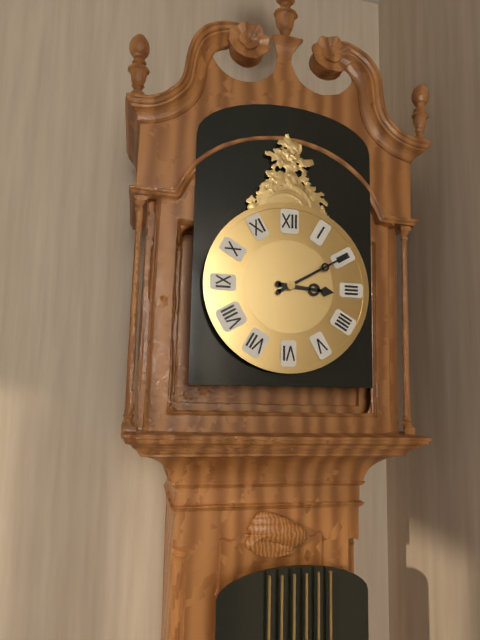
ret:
3:10
